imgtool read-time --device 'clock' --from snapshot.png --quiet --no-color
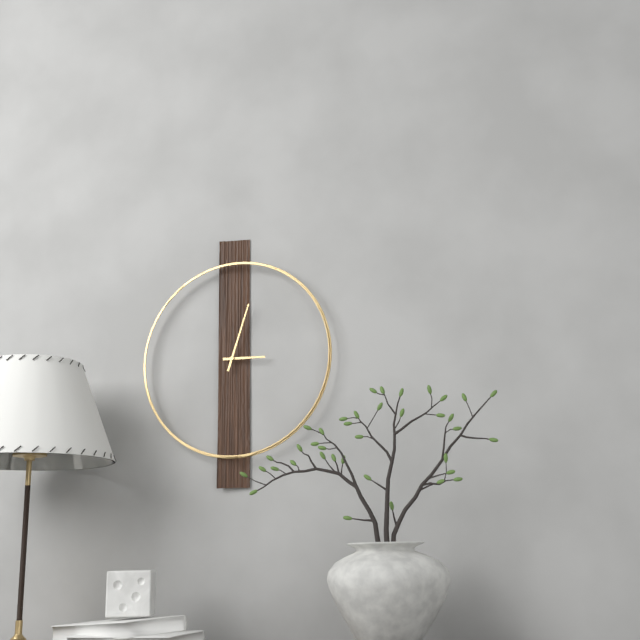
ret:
3:03
